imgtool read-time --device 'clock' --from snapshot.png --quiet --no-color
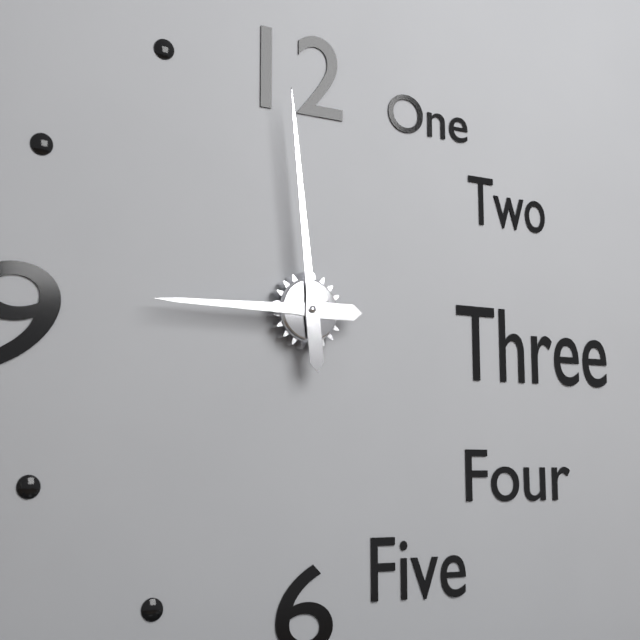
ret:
8:59
